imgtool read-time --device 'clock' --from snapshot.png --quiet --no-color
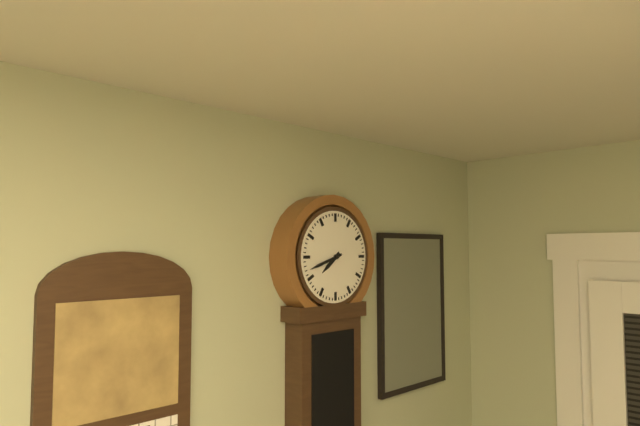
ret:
7:42
